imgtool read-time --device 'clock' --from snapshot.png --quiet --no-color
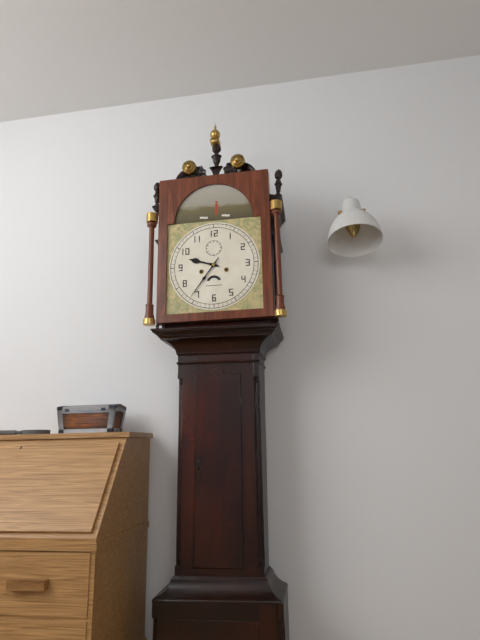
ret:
9:36
